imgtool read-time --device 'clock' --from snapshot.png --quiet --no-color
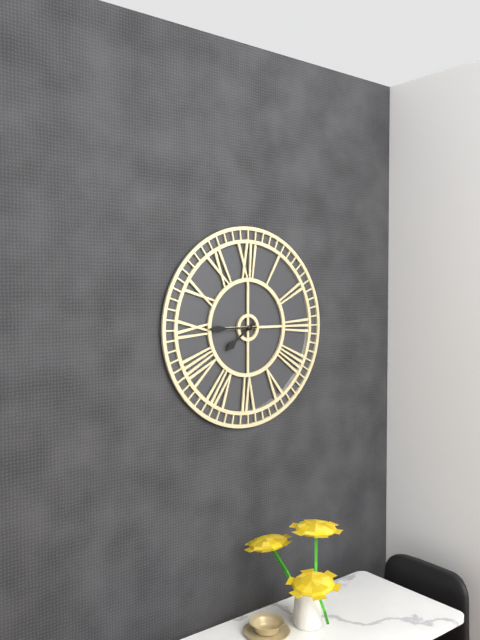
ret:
7:45
